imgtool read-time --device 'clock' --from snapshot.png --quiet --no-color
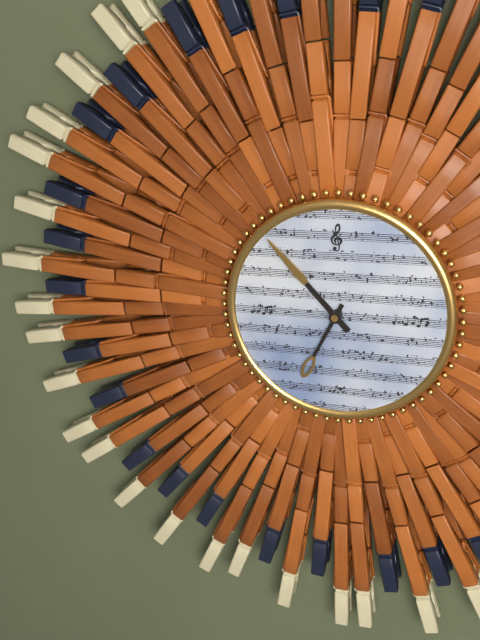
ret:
6:53
